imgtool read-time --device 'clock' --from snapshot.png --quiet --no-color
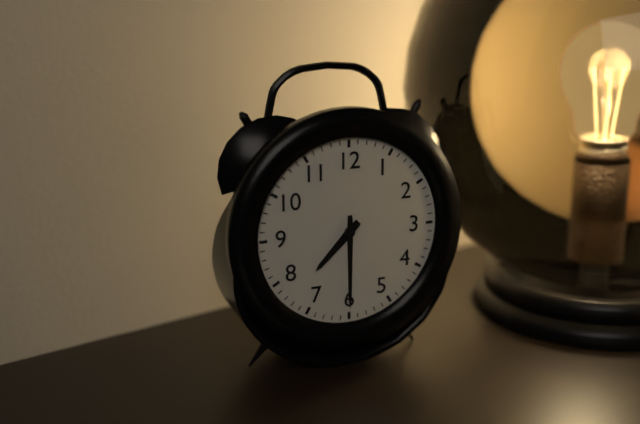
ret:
7:30
